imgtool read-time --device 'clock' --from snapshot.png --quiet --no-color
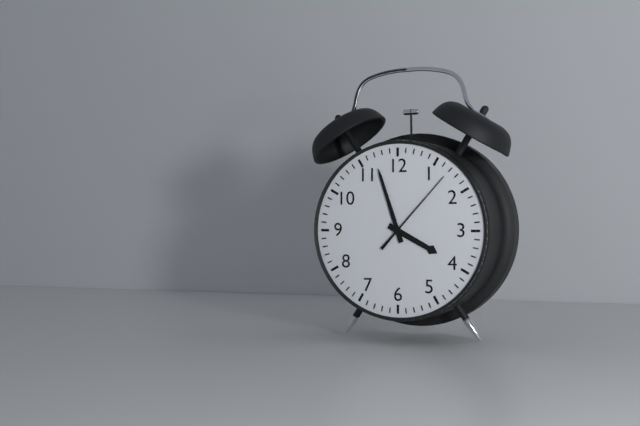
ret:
3:57:07
